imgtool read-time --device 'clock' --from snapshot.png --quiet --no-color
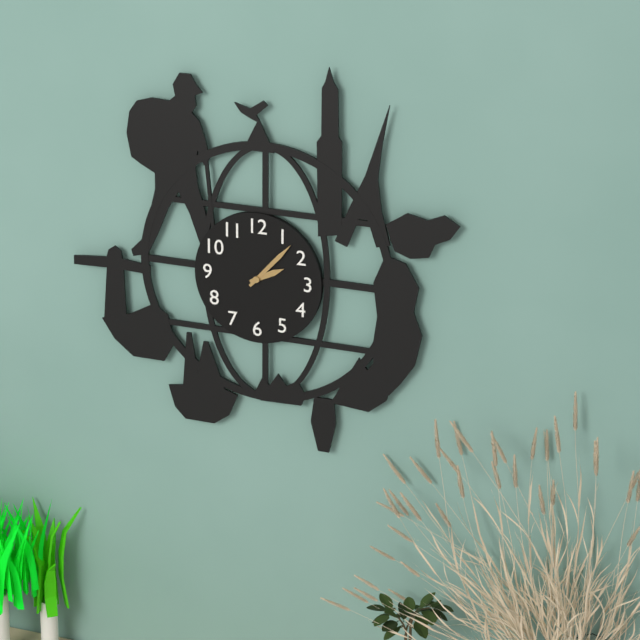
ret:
2:07
